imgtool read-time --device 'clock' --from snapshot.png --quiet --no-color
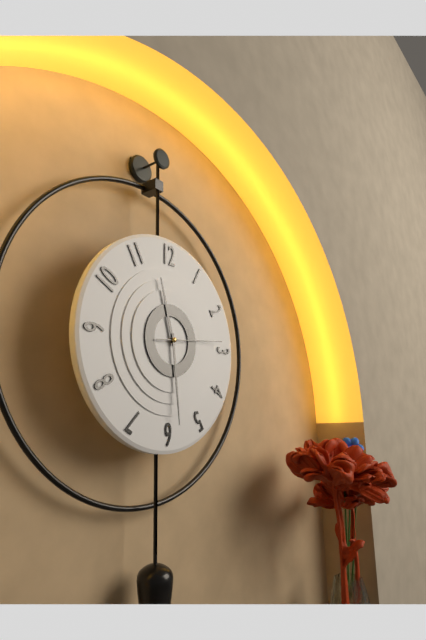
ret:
11:29:14
